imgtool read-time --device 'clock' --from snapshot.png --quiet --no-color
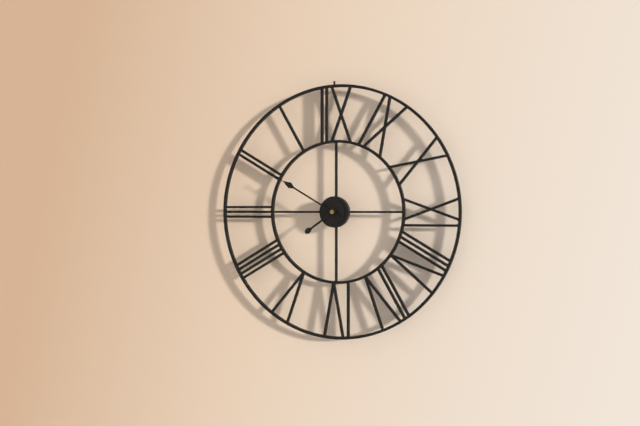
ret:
7:50:50
